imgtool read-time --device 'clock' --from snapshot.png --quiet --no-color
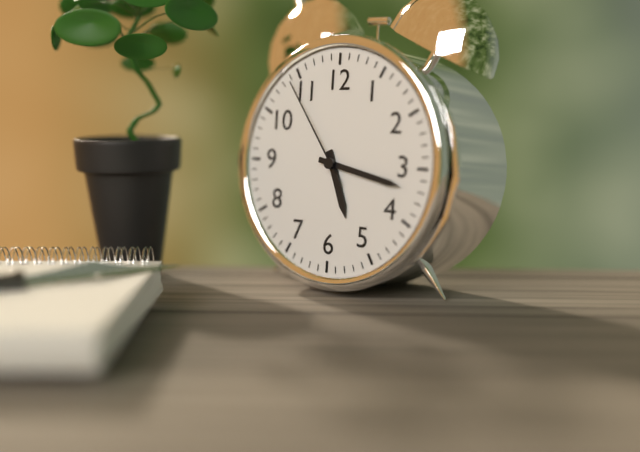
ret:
5:17:54
